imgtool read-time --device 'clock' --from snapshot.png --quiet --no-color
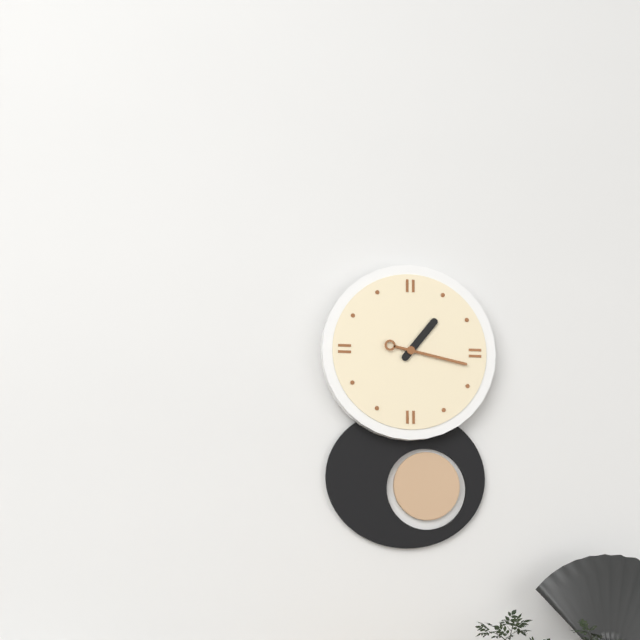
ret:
1:17
